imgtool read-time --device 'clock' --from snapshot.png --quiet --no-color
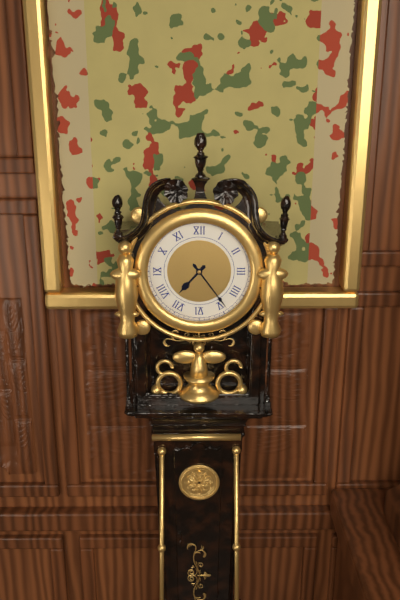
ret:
7:24
